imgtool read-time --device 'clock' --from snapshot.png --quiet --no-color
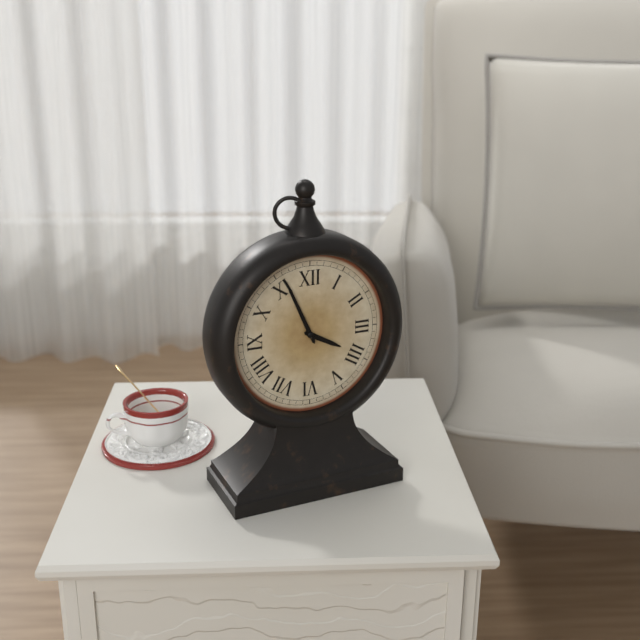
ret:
3:56
